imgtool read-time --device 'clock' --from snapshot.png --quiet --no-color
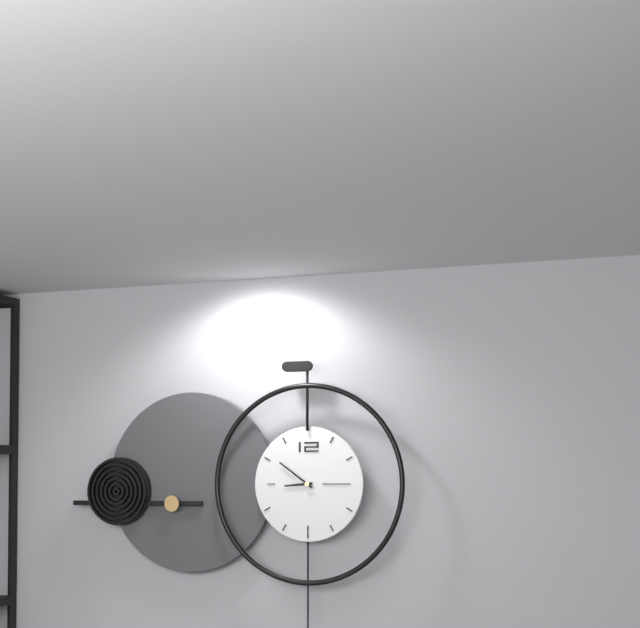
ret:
8:51
